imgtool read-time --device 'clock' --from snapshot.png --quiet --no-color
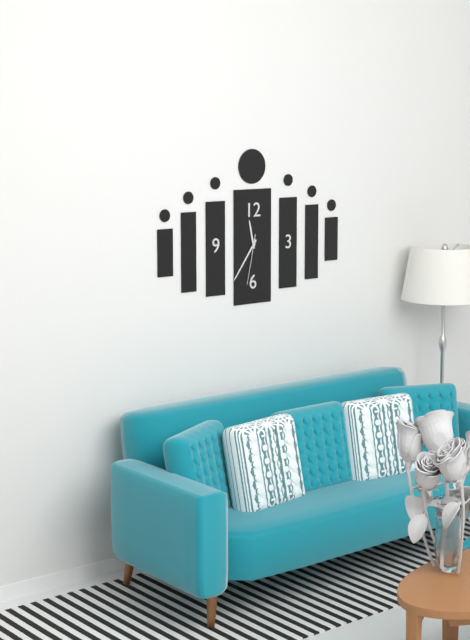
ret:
11:36:32
